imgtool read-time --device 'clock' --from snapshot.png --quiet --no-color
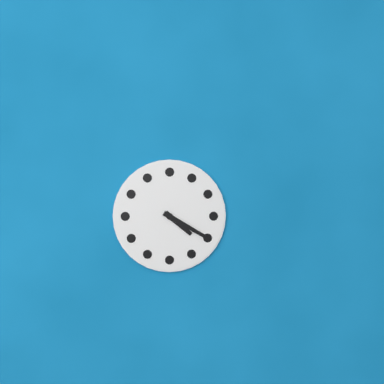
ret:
4:20
